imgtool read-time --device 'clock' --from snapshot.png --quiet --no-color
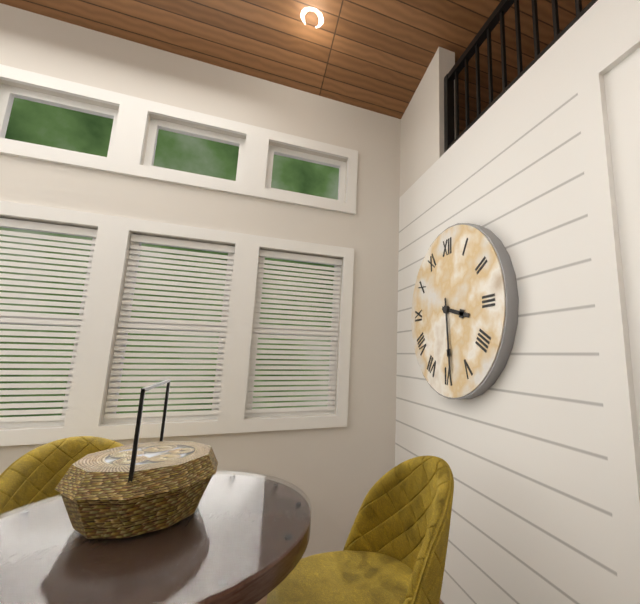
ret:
3:29
